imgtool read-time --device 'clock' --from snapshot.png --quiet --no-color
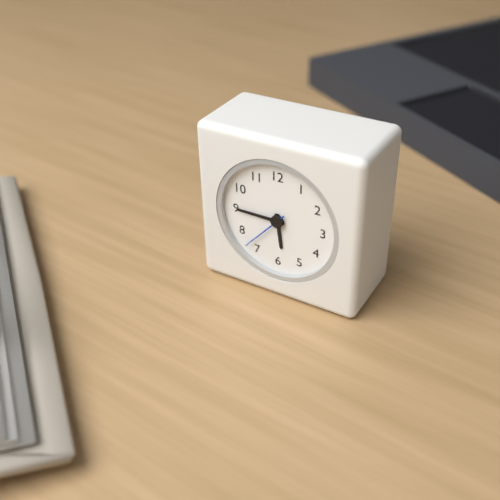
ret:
5:45
